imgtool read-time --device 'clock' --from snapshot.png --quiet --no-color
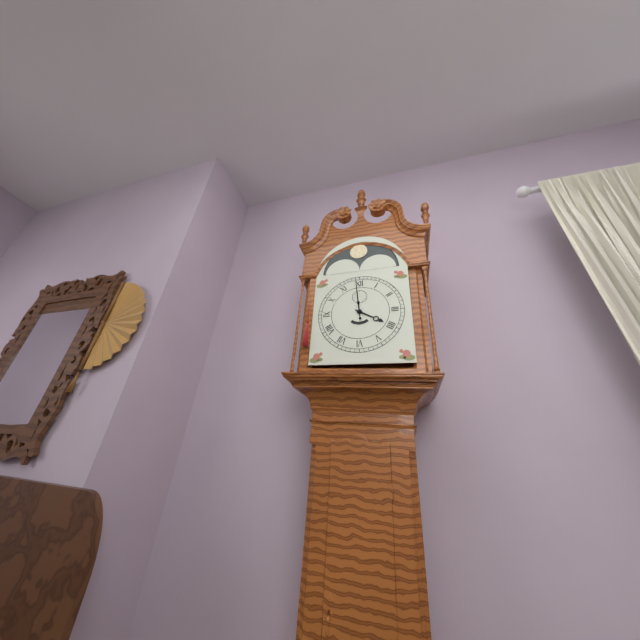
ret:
3:59
